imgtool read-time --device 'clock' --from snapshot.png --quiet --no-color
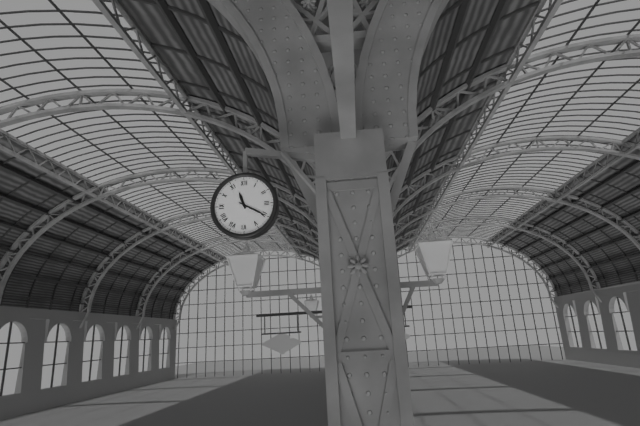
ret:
11:20
